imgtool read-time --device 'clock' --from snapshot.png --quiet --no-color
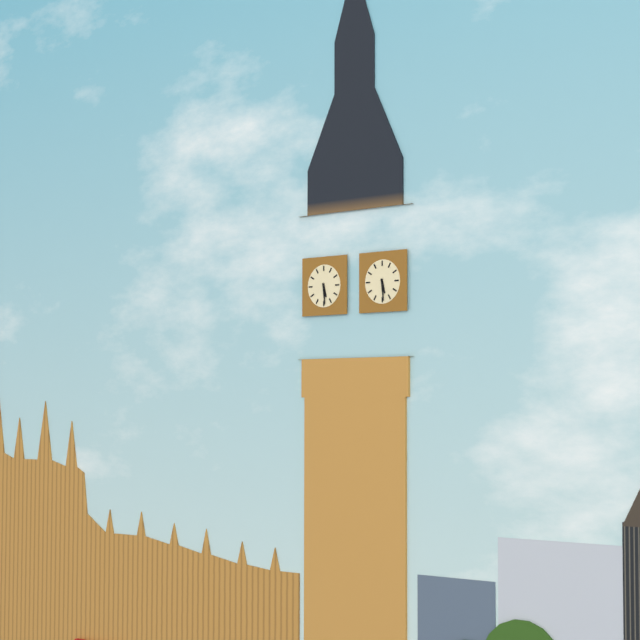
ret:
5:29
